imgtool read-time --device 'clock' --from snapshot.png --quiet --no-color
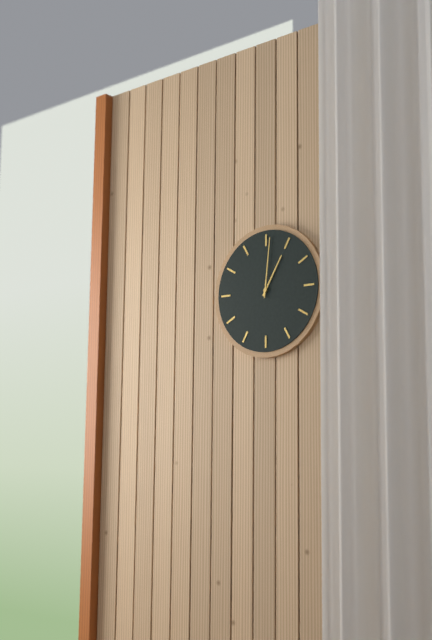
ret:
1:01
